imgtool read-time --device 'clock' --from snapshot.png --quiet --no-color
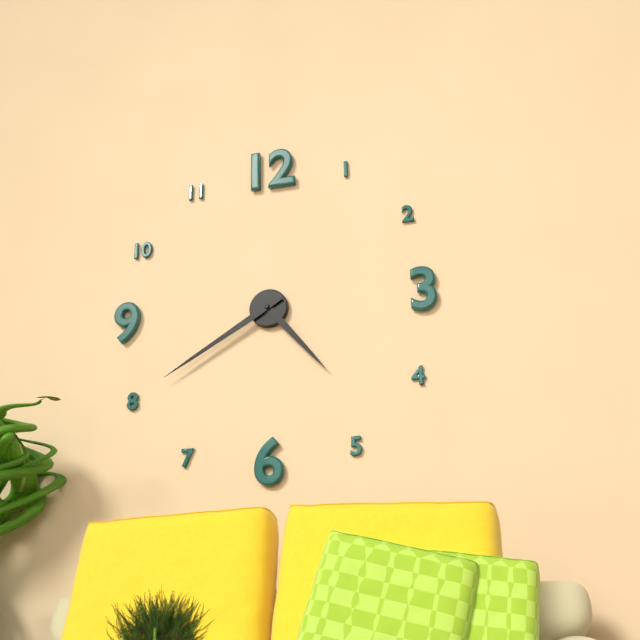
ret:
4:40
